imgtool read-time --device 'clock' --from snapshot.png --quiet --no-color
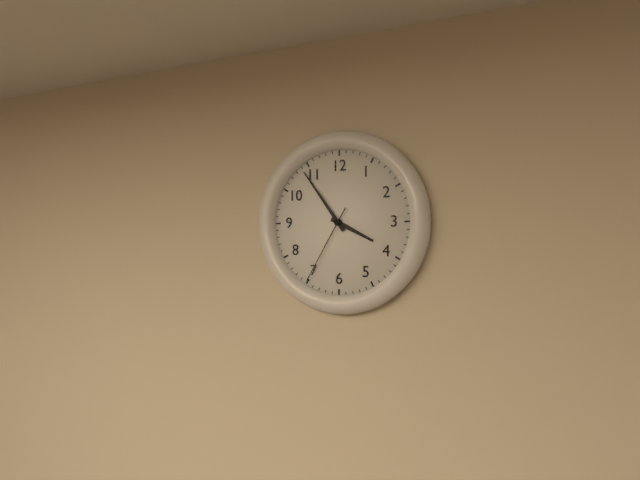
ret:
3:54:35
